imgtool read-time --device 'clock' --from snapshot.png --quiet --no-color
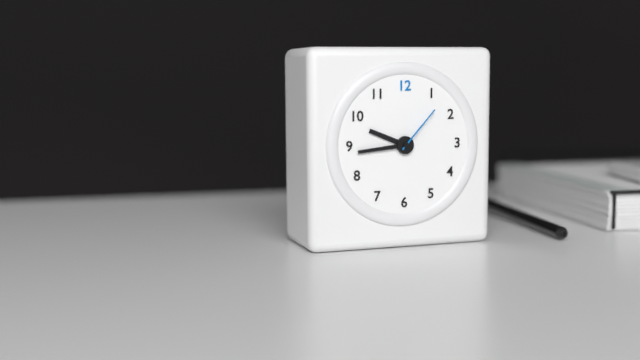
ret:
9:44:07
